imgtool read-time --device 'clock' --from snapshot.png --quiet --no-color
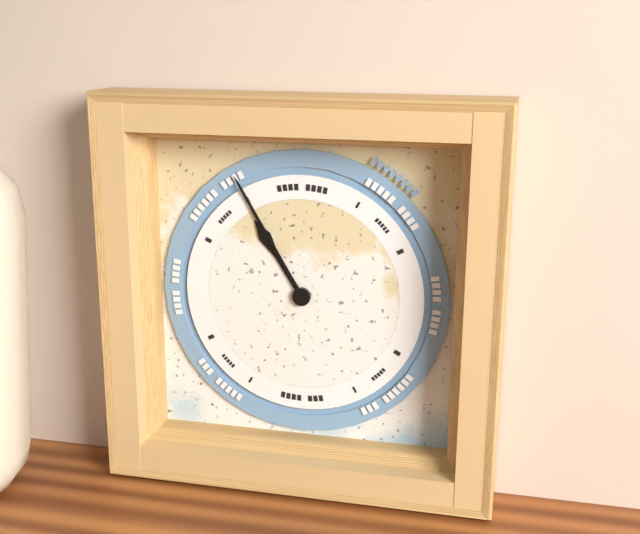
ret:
10:55
